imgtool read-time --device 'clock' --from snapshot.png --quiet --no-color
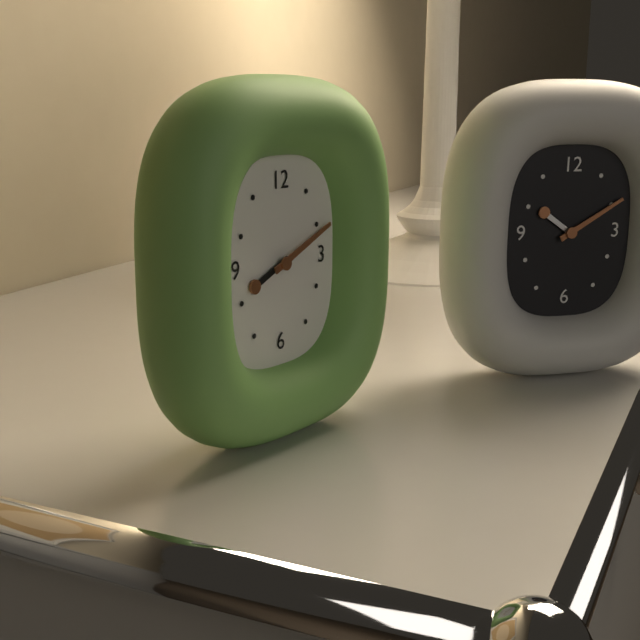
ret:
8:11
